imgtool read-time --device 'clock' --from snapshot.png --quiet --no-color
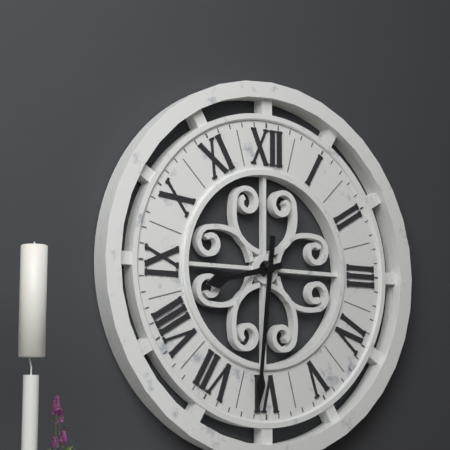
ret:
8:31
